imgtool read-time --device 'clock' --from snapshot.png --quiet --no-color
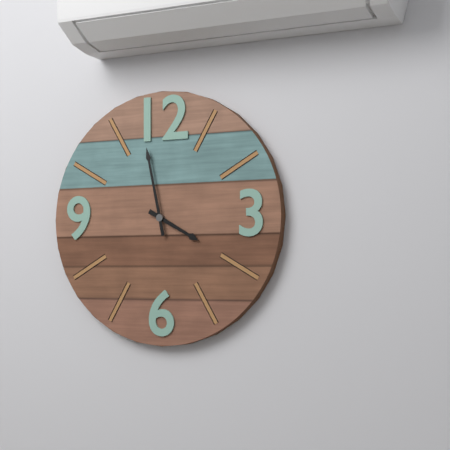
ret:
3:58
